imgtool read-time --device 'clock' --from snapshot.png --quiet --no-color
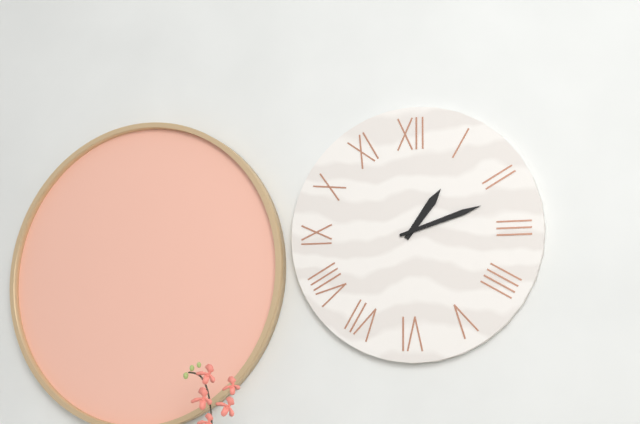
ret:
1:12
